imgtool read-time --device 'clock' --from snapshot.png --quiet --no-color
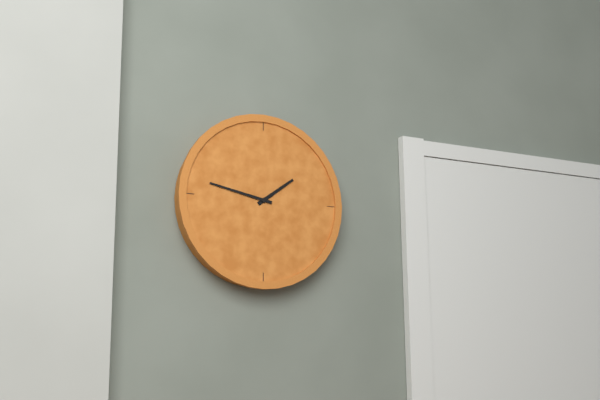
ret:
1:47
